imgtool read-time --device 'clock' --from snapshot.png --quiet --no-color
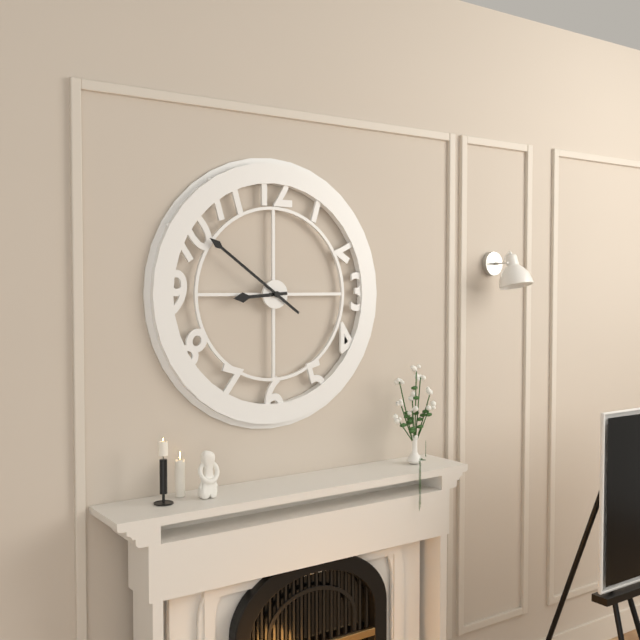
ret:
8:51
